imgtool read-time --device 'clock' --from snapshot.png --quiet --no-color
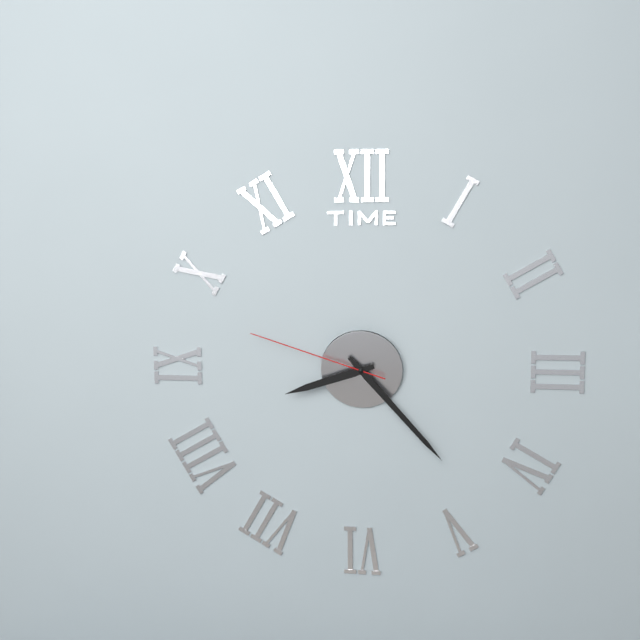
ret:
8:23:48
